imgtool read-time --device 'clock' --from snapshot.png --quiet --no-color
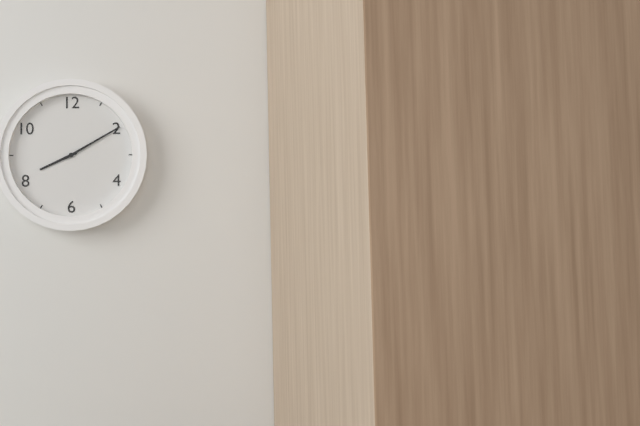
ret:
8:10
